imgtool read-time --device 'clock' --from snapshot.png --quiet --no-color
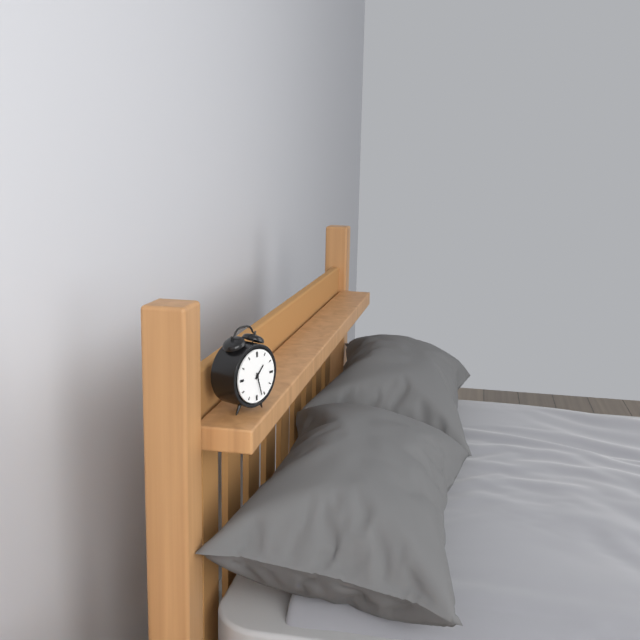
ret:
1:27
